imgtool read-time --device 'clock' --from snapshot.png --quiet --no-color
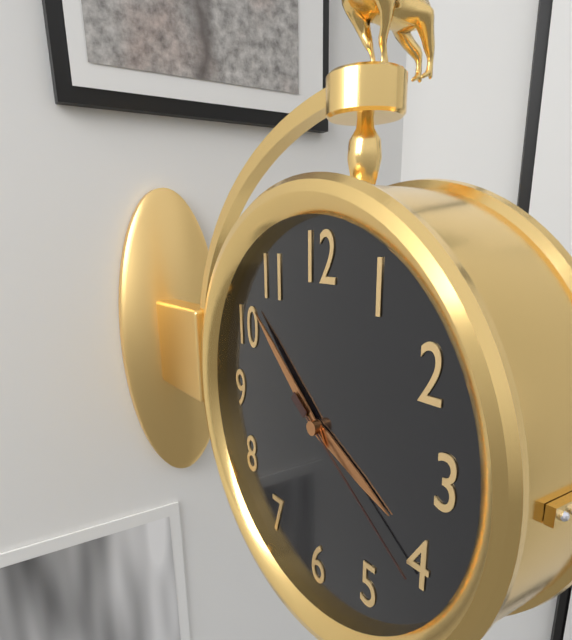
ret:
3:52:21
